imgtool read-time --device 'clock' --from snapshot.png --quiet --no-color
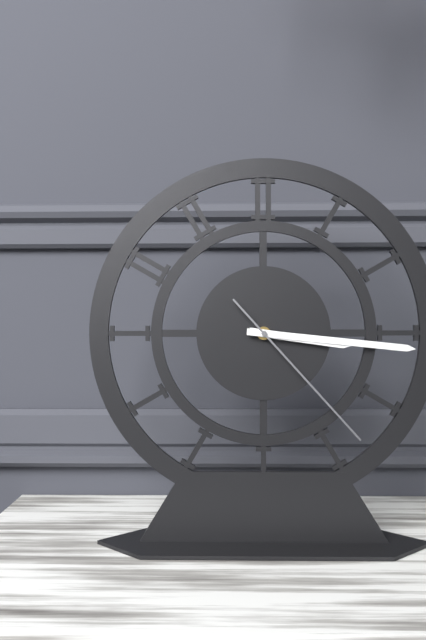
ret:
3:16:23
